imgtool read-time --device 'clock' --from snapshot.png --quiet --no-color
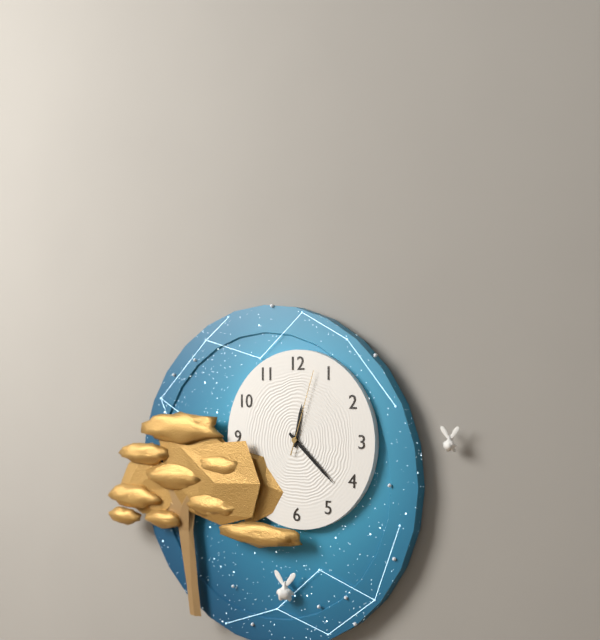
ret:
12:22:03
